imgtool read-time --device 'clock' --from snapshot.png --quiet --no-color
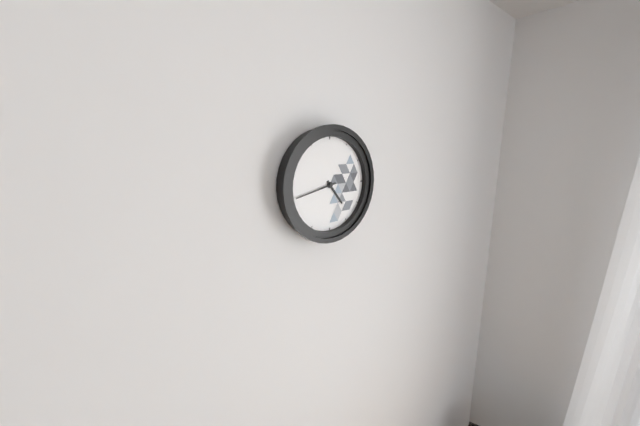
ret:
4:43
